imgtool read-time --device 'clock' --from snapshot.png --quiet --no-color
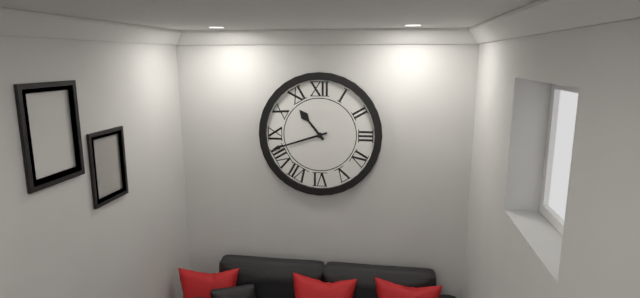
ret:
10:42
